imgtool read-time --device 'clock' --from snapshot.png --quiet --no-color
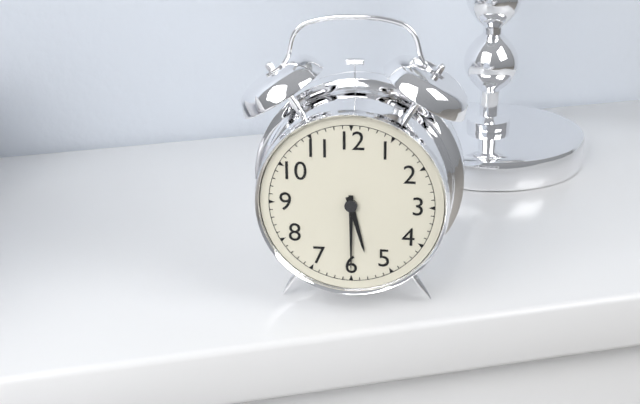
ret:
5:30
